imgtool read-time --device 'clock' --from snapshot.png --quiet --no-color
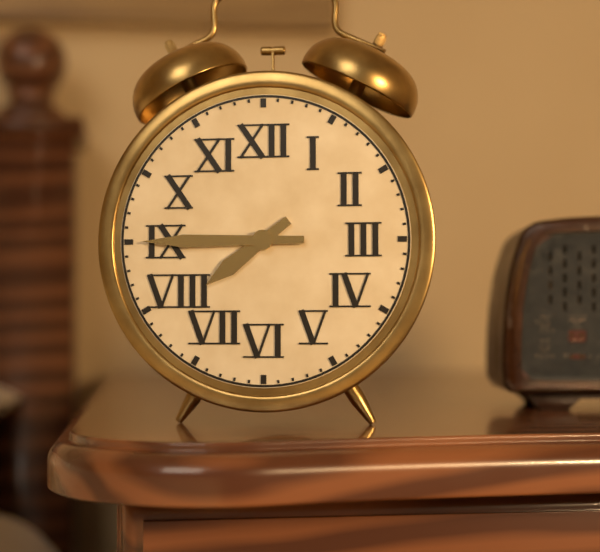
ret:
7:45
